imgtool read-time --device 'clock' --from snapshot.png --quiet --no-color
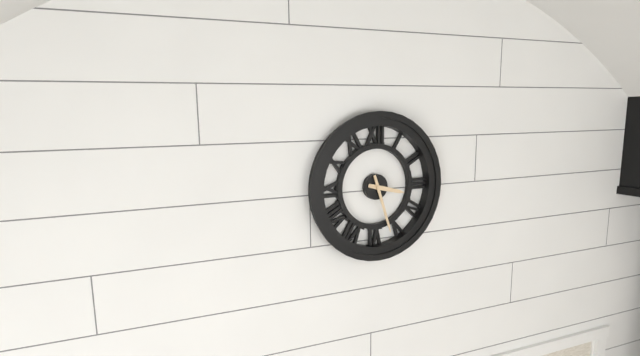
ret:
3:27
